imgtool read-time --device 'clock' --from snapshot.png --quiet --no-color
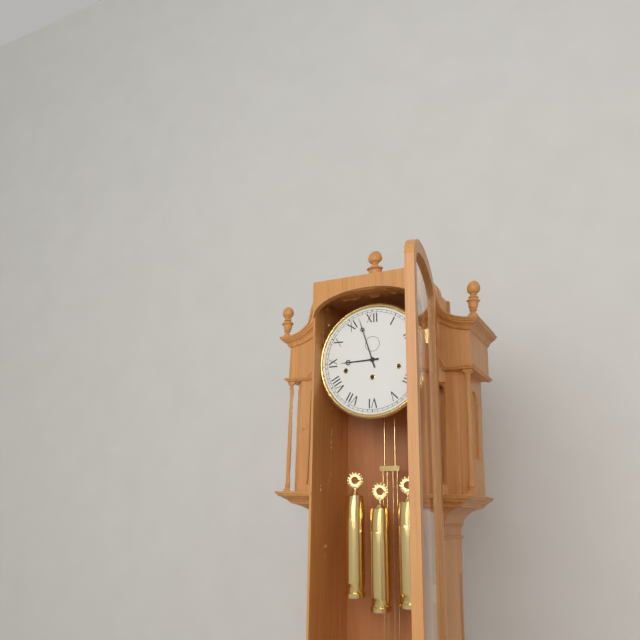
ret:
8:57
